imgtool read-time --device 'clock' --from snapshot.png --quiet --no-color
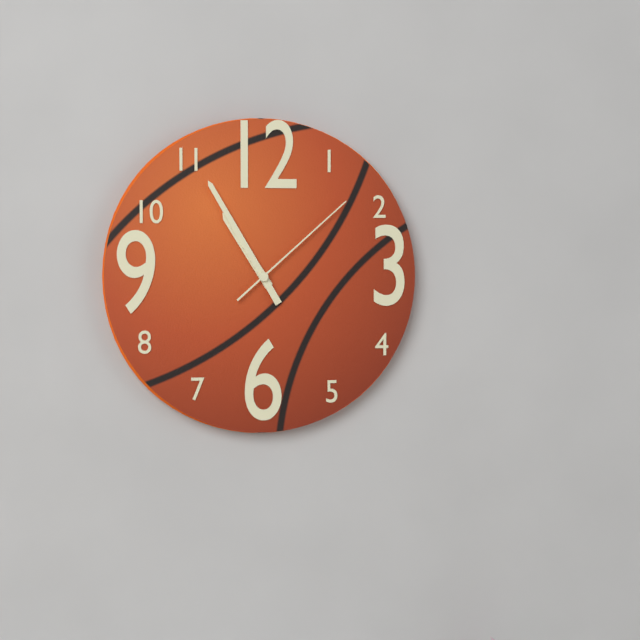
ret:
10:55:08
